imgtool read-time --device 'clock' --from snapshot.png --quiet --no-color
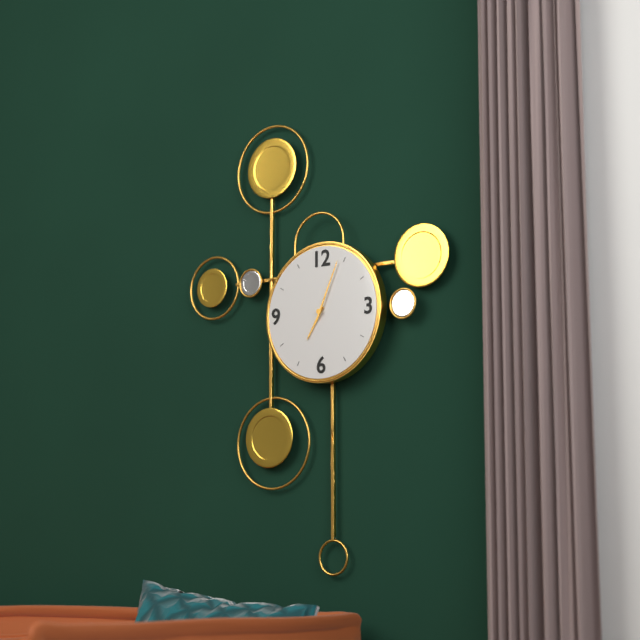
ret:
7:04
